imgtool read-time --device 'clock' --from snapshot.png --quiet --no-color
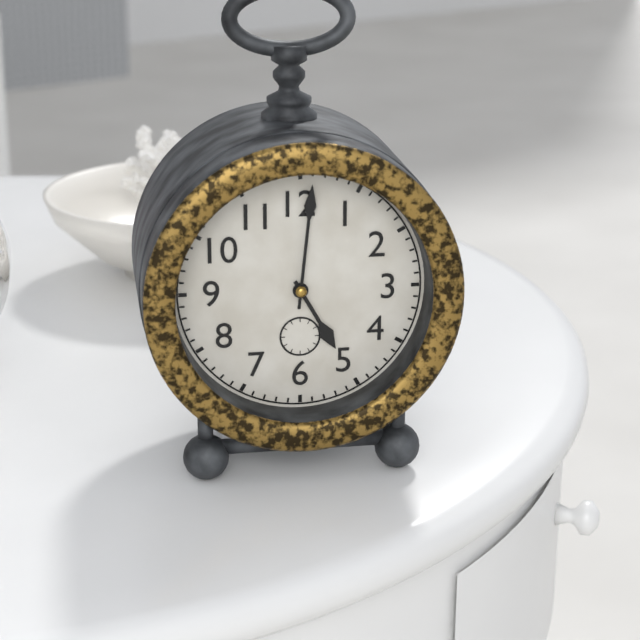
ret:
5:01
